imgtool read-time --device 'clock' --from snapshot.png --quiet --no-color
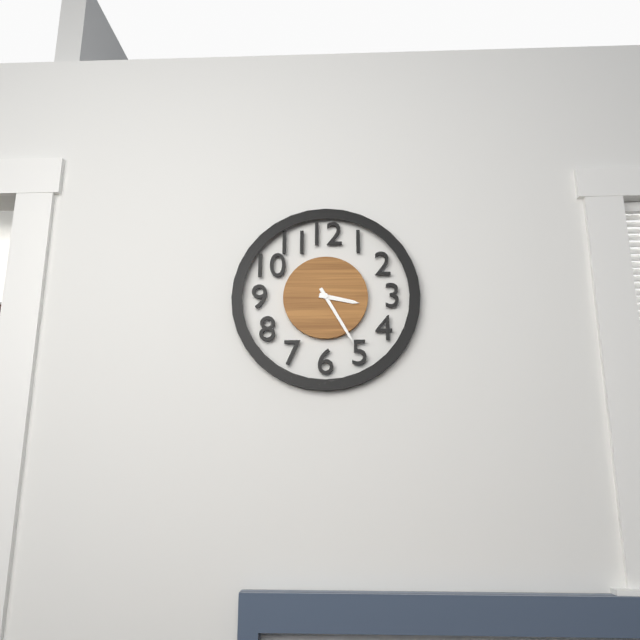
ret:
3:25
